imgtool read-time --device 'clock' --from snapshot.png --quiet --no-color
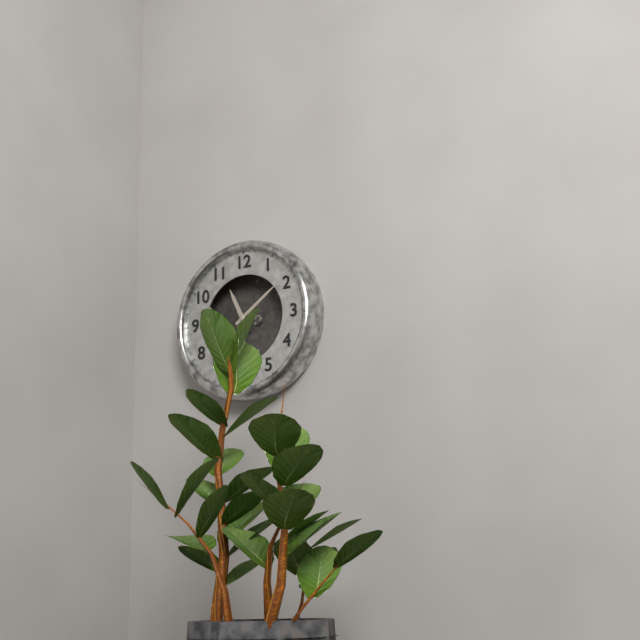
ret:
11:09
